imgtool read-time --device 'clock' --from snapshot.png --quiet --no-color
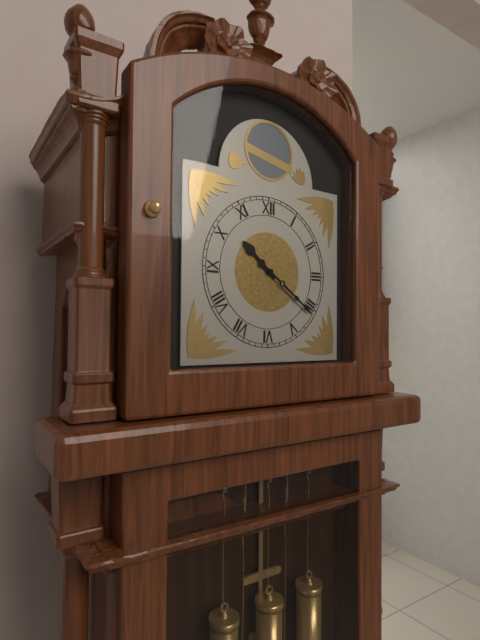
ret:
10:21
